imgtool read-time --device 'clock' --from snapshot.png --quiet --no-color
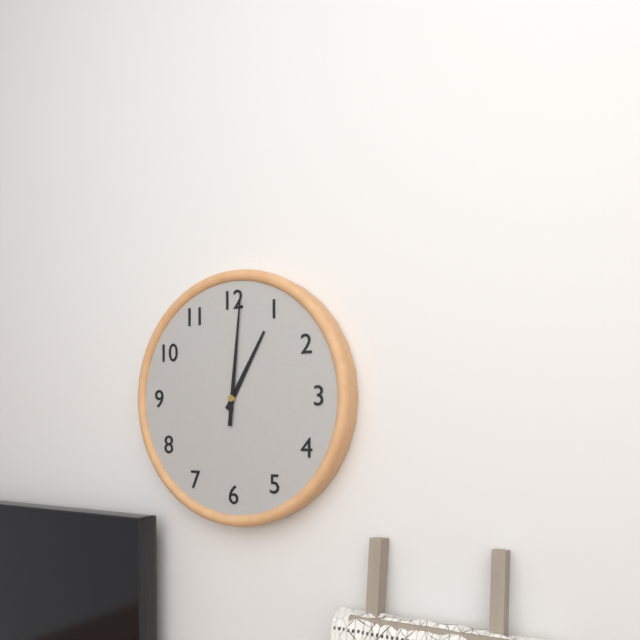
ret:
1:01
